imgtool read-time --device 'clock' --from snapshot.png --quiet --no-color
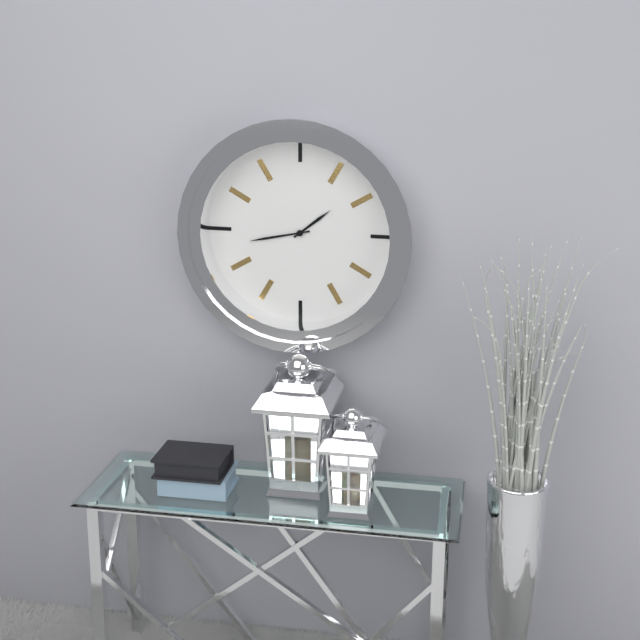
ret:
1:43
